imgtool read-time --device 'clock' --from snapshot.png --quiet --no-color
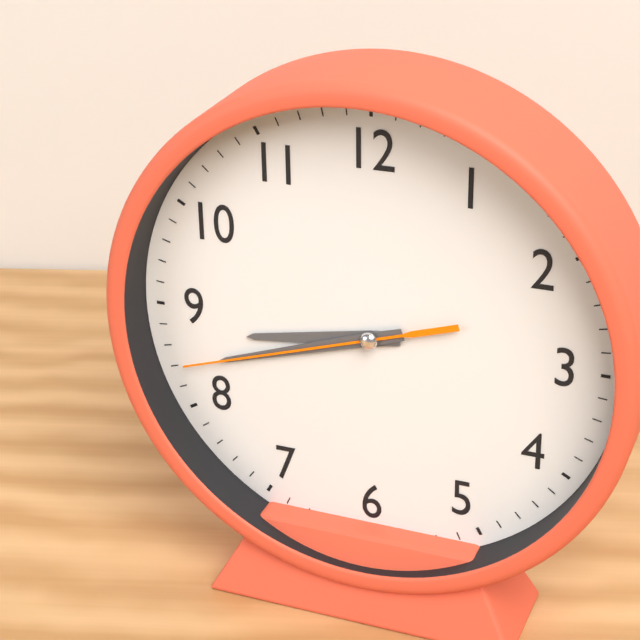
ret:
8:42:42
